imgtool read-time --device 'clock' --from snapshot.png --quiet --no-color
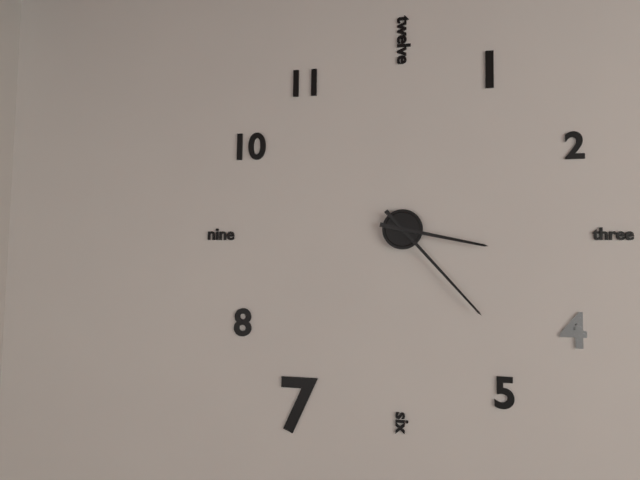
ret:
3:23
